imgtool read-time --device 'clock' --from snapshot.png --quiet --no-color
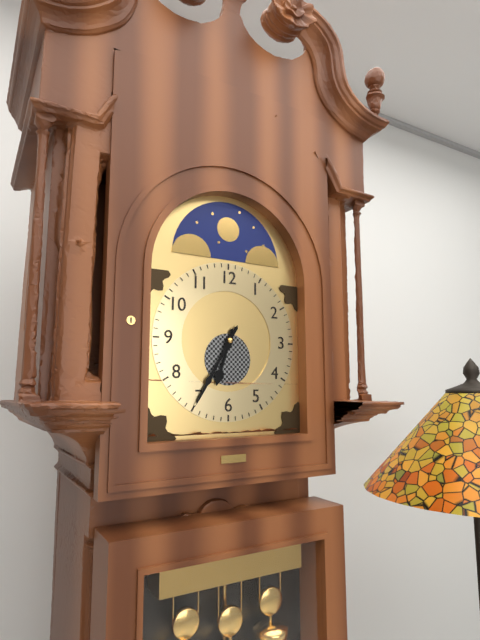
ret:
6:35
